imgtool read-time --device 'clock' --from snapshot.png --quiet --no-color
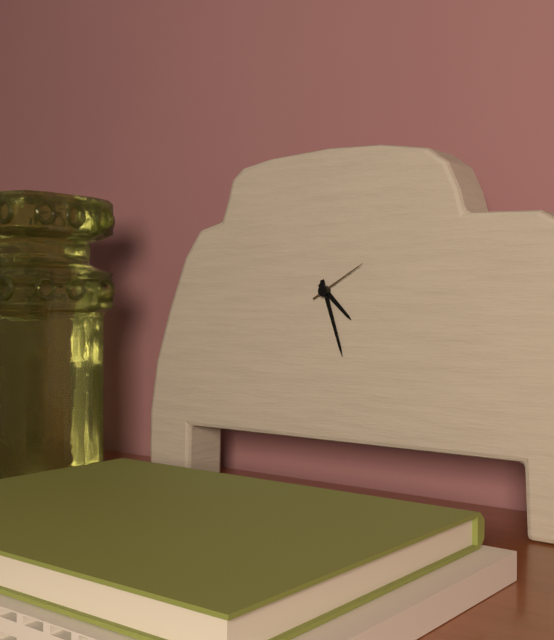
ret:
4:27:10
